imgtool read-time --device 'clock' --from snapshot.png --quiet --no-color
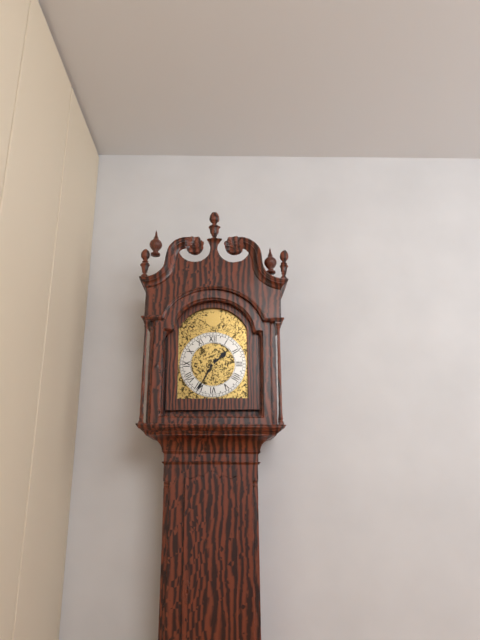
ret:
1:35
